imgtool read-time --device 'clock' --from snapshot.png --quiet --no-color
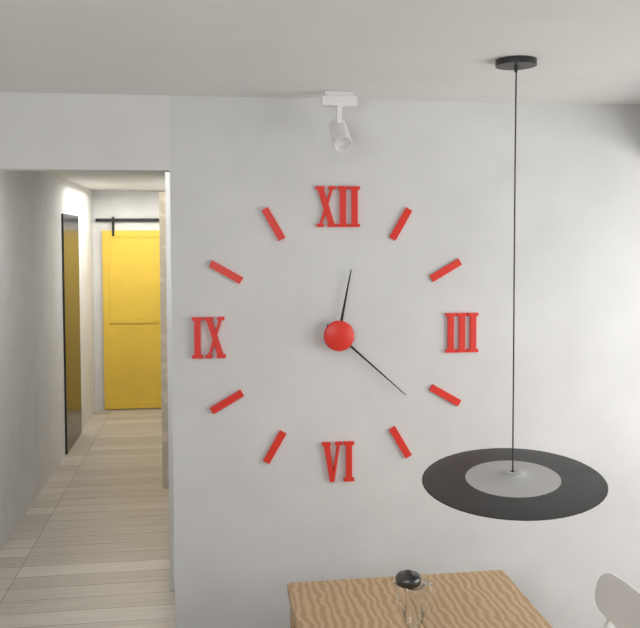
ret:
12:22
